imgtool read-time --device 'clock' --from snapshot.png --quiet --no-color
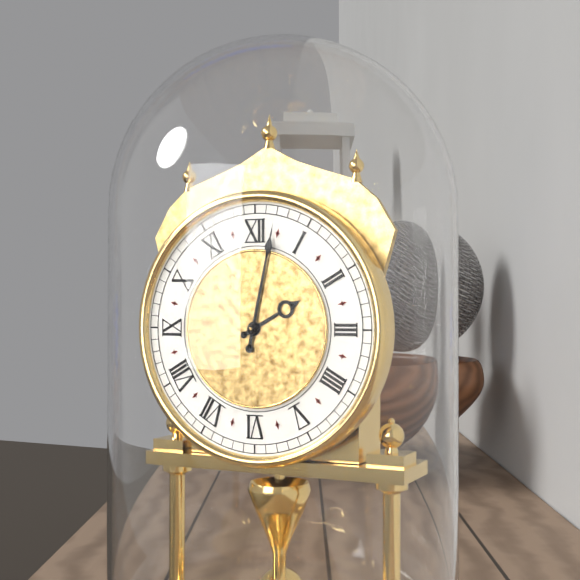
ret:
2:02
